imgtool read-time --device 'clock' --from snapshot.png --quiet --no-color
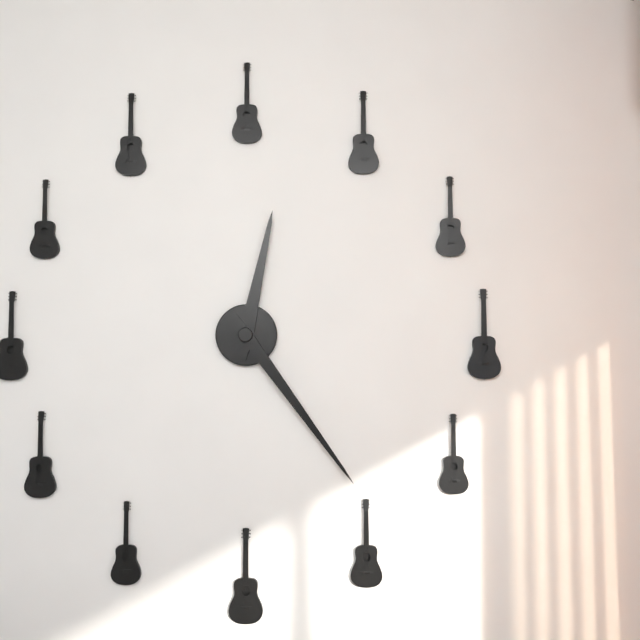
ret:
12:24
